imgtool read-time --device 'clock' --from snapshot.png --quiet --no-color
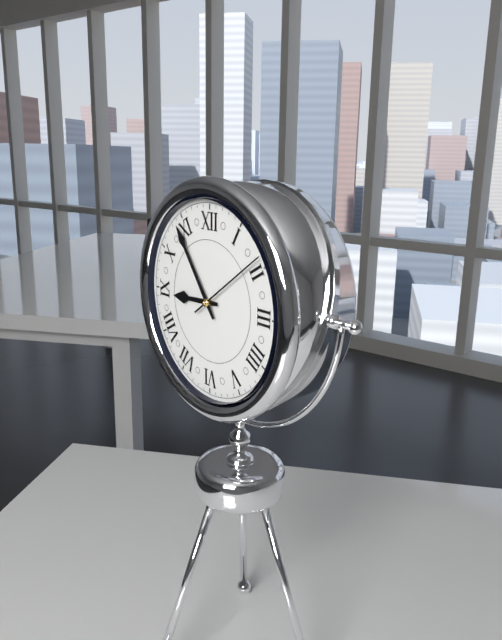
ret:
8:54:09
